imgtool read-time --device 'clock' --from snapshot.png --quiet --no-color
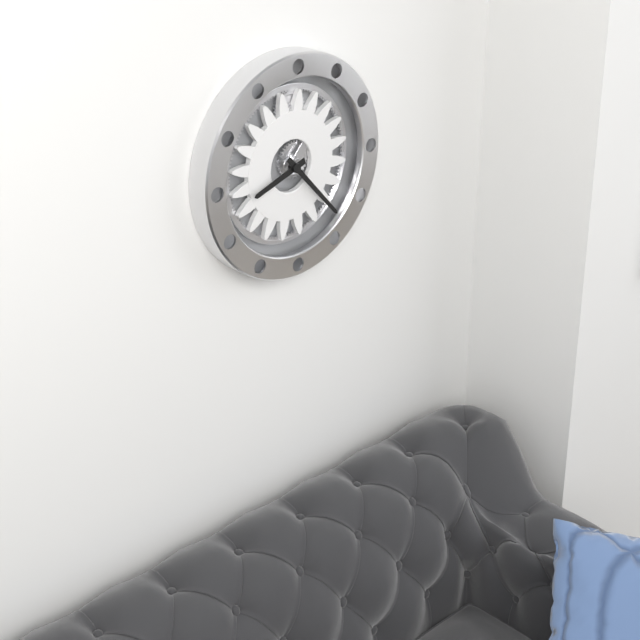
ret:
8:23
